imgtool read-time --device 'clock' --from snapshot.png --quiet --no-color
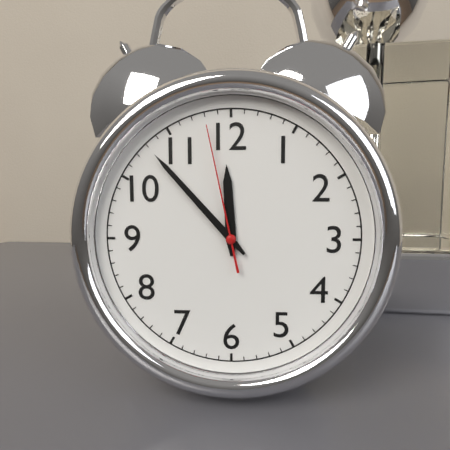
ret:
11:53:58
